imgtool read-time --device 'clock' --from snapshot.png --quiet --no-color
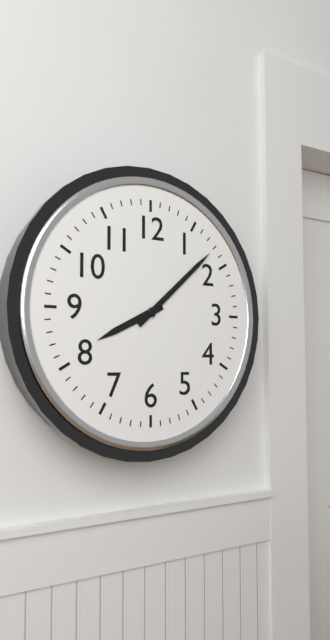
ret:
8:08
